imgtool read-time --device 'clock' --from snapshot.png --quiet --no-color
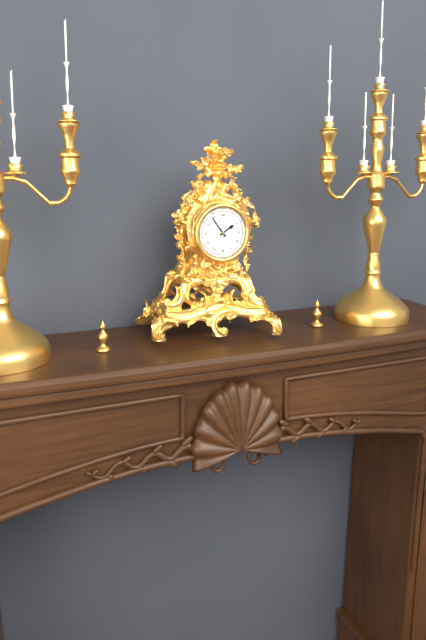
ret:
1:54
